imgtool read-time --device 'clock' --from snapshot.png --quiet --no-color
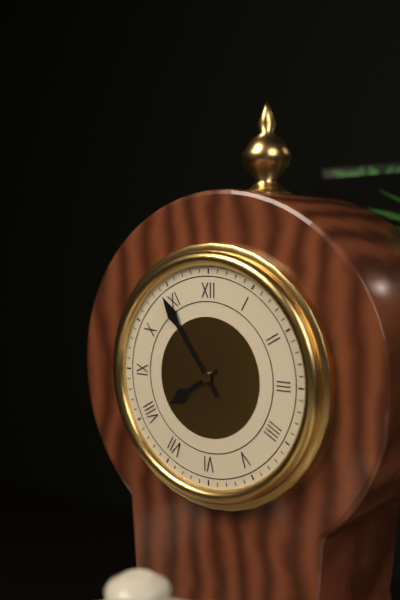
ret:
7:54
